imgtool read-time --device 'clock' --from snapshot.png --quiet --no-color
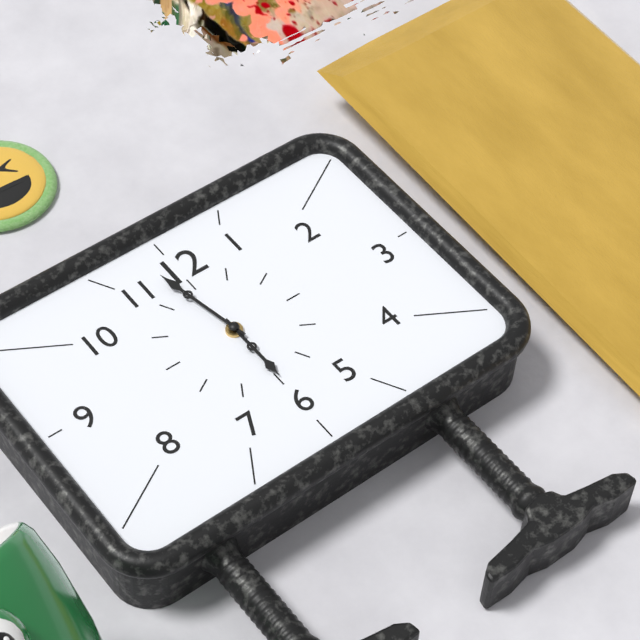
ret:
5:58
